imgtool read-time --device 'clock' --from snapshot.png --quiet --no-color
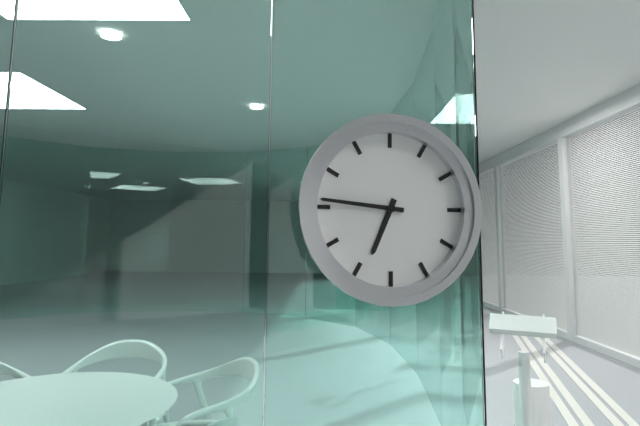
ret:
6:46
